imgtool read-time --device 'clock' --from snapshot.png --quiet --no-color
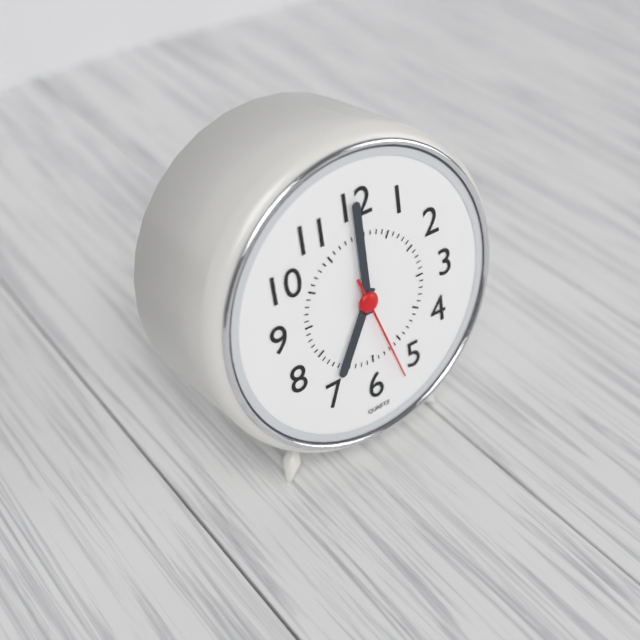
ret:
7:00:27
